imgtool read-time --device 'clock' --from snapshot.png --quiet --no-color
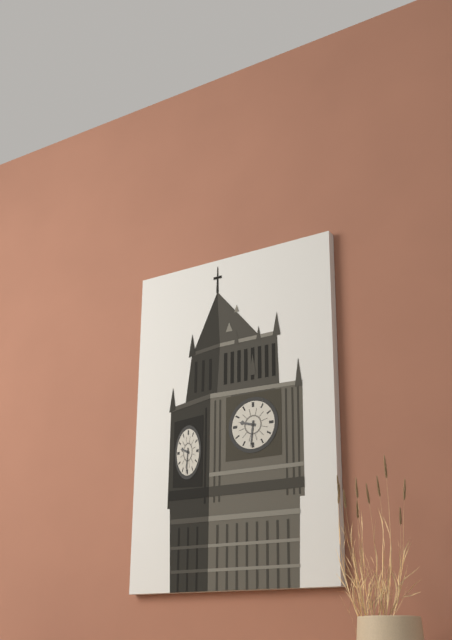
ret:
9:31
